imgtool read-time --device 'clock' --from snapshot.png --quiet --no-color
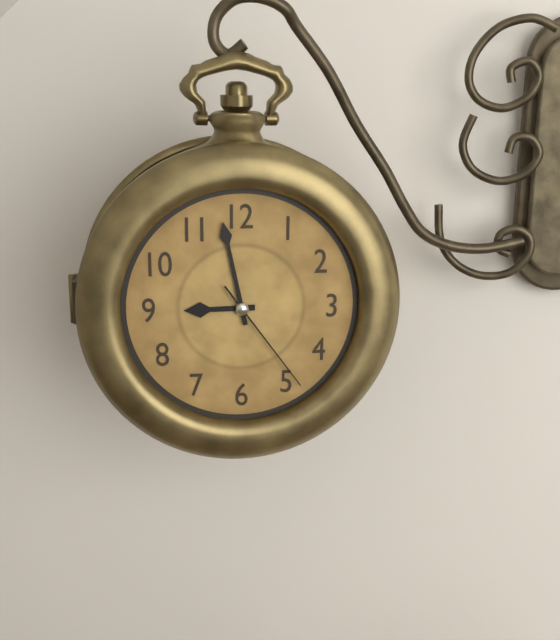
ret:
8:58:24
